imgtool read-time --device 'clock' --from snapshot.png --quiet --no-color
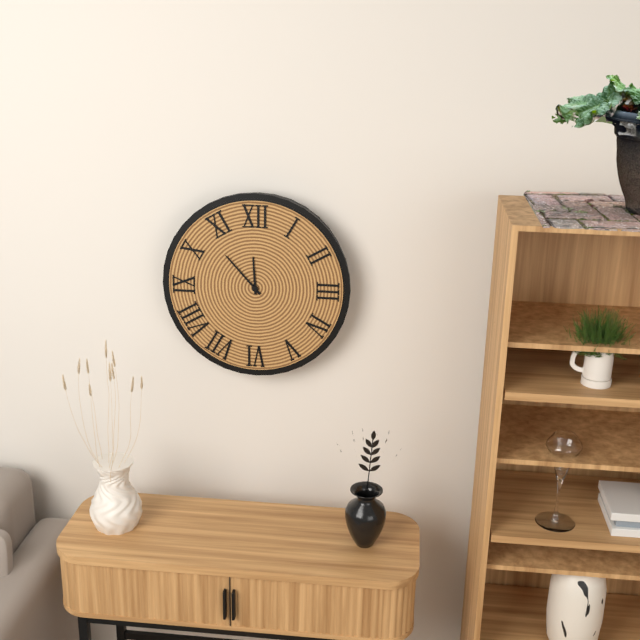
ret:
11:53
